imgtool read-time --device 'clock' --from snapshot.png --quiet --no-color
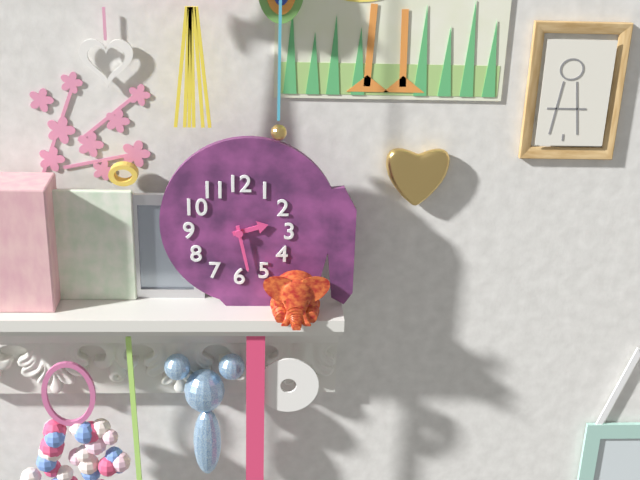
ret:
2:28
